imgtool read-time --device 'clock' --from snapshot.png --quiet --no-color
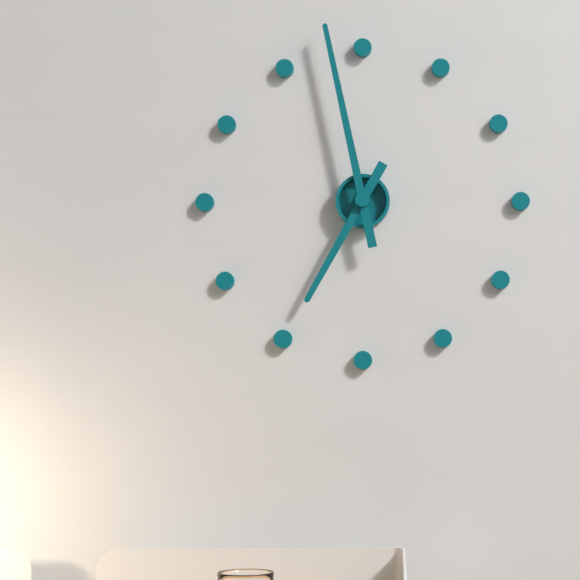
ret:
6:58
